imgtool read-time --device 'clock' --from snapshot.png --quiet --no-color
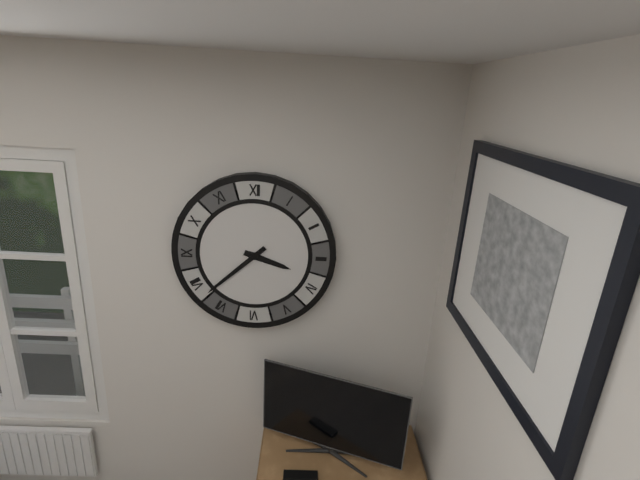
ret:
3:38
